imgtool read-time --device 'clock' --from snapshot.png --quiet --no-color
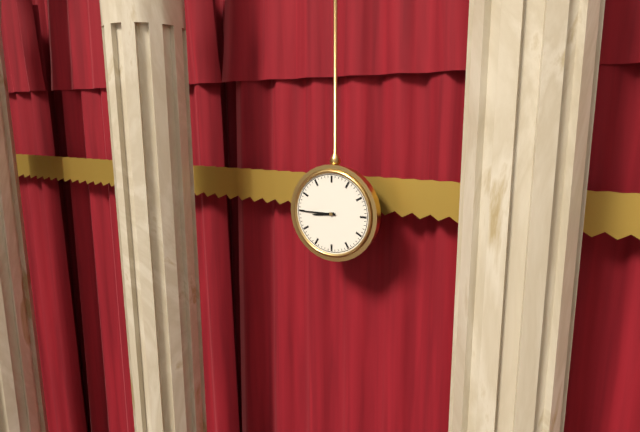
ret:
8:45
